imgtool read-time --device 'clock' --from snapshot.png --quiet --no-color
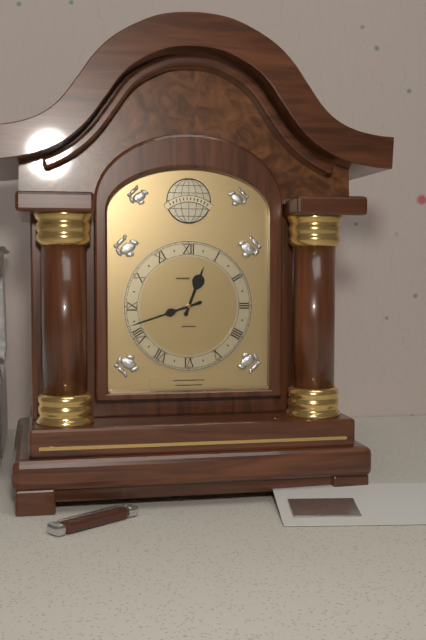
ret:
12:42
